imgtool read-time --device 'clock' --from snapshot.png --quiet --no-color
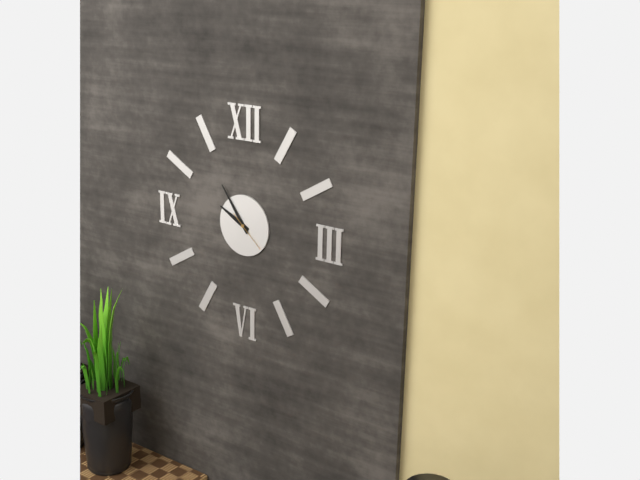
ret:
9:54
